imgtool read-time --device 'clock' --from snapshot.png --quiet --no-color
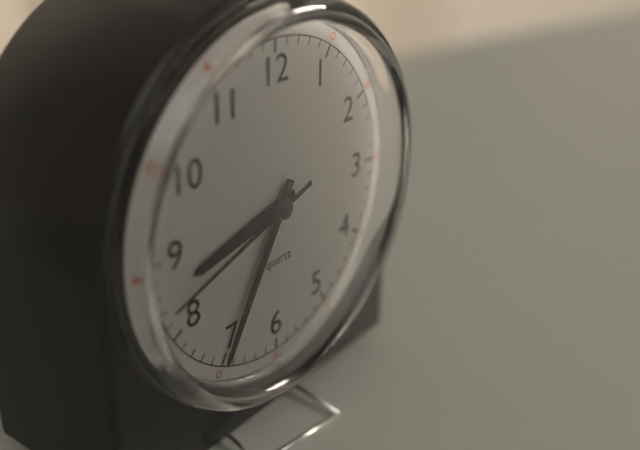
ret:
8:35:42
